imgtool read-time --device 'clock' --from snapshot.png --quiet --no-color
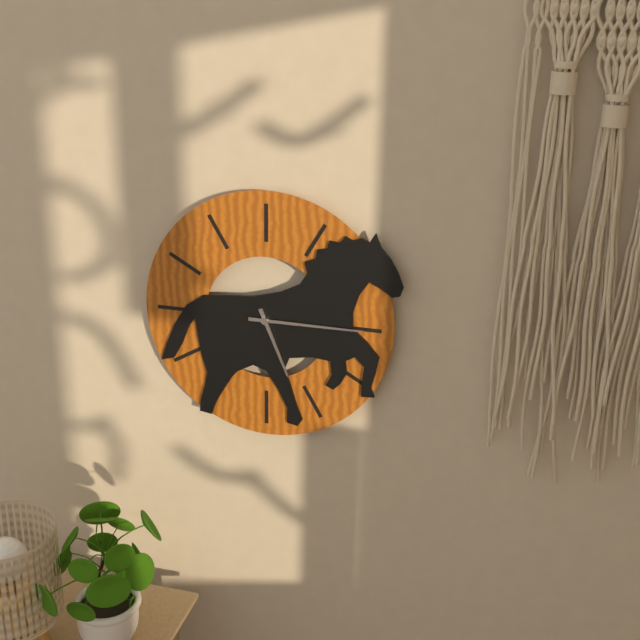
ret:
5:15
